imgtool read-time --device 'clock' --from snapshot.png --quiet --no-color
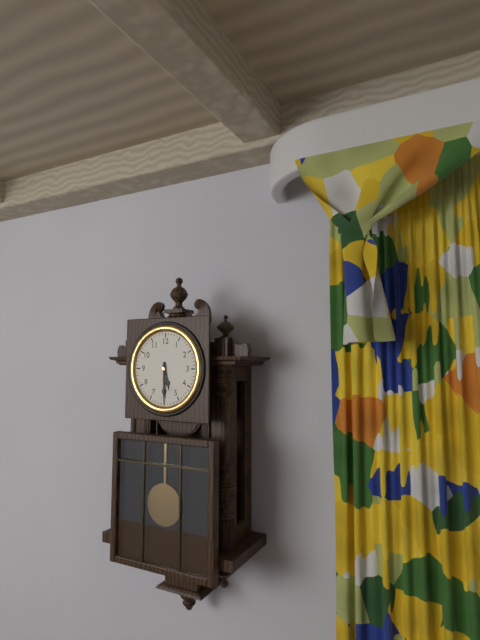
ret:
5:30
